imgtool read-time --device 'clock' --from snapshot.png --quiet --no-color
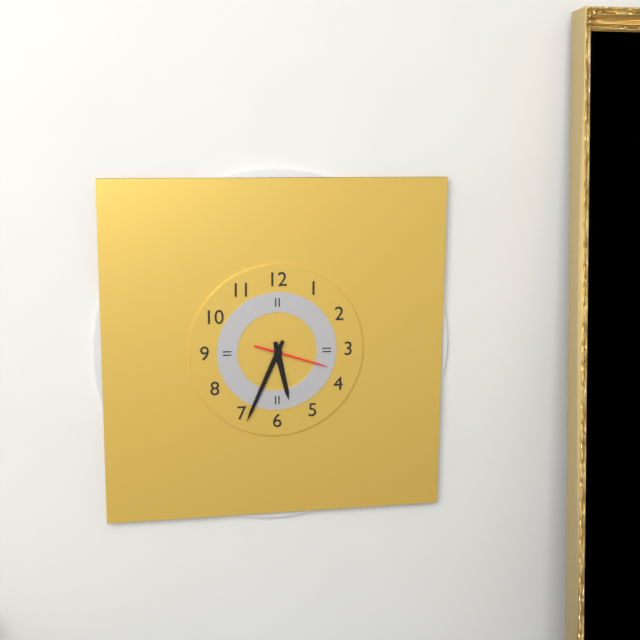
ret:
5:34:18
